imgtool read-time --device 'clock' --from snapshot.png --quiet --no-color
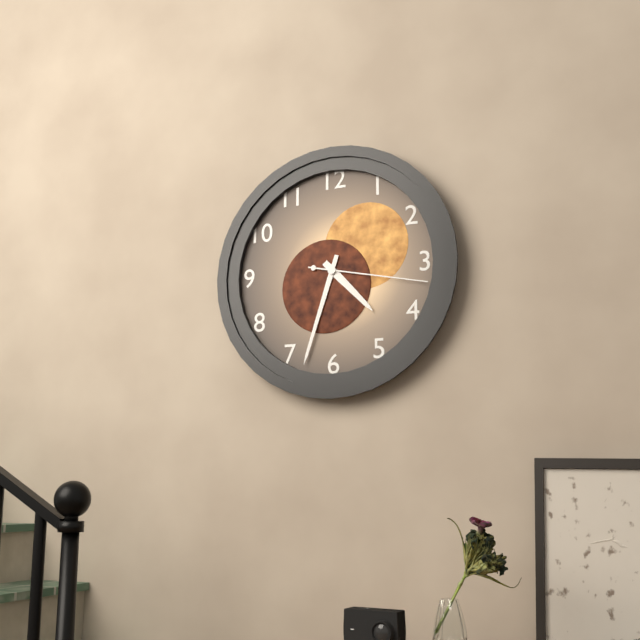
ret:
4:33:17
